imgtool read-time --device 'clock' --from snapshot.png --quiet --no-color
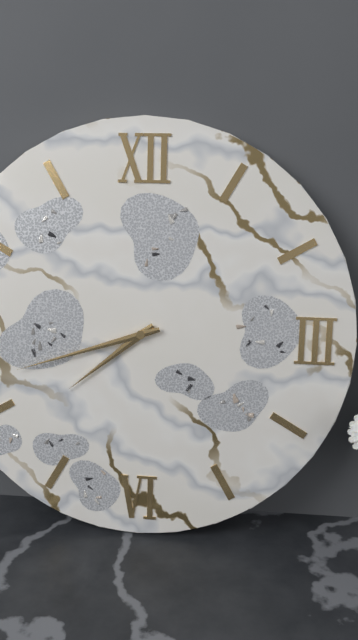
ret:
7:42
